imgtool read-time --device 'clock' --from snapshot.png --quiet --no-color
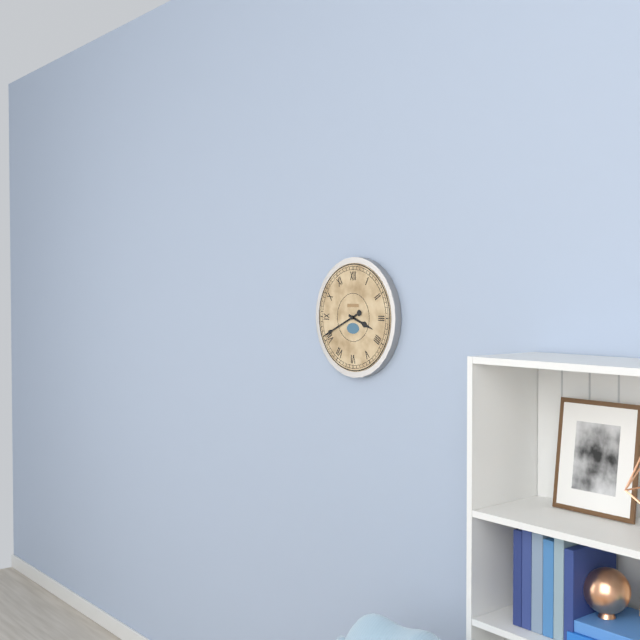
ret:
3:41
